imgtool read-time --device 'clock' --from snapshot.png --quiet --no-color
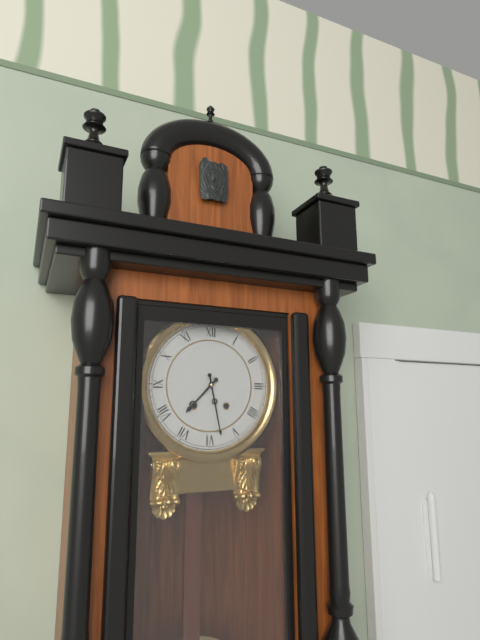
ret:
7:28
